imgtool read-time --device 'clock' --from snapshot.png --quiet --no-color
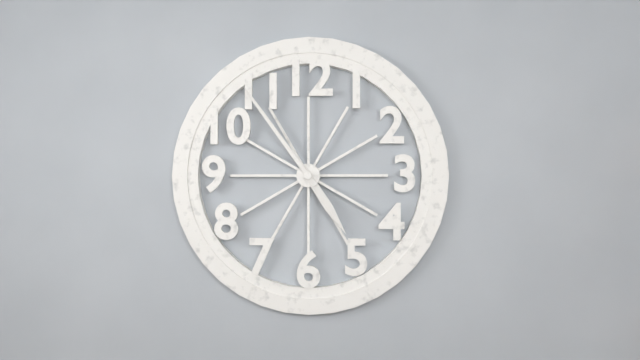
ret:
4:54
